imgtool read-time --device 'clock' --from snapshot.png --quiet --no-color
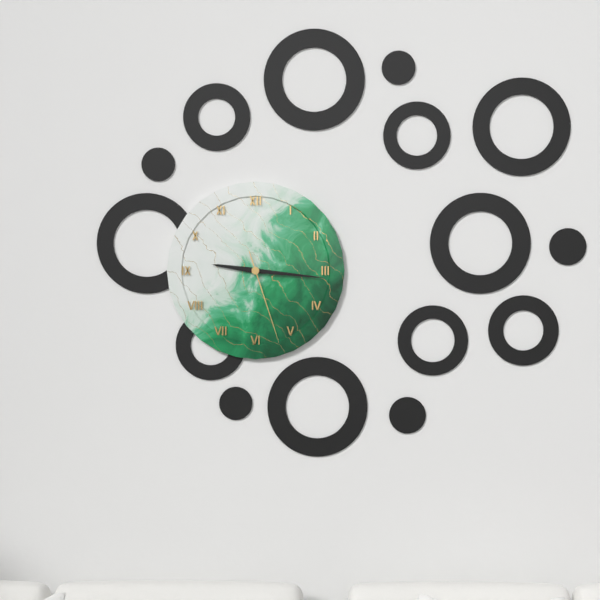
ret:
9:16:27
